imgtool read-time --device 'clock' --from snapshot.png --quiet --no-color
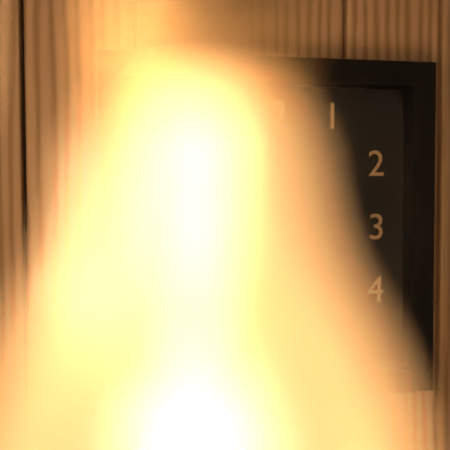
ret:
12:23
